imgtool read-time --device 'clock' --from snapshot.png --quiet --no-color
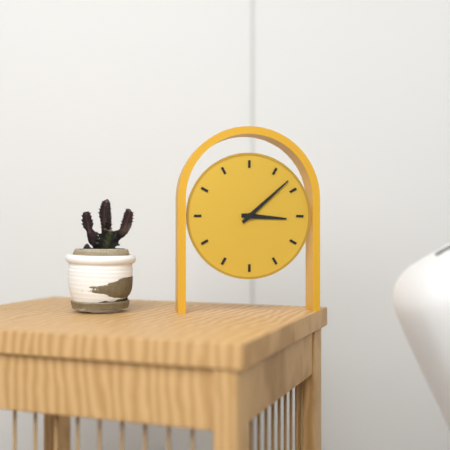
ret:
3:08
